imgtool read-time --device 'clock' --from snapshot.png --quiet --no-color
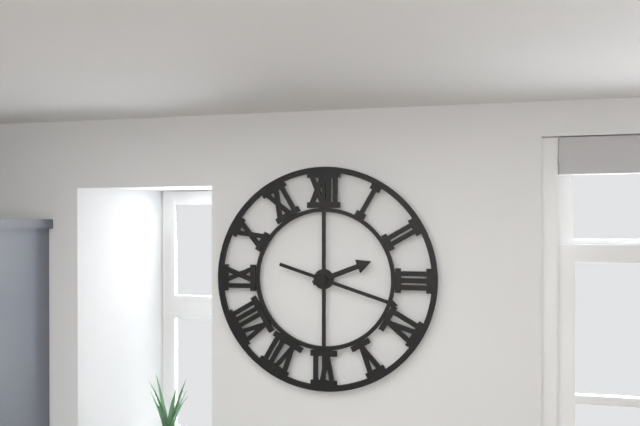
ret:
2:18
